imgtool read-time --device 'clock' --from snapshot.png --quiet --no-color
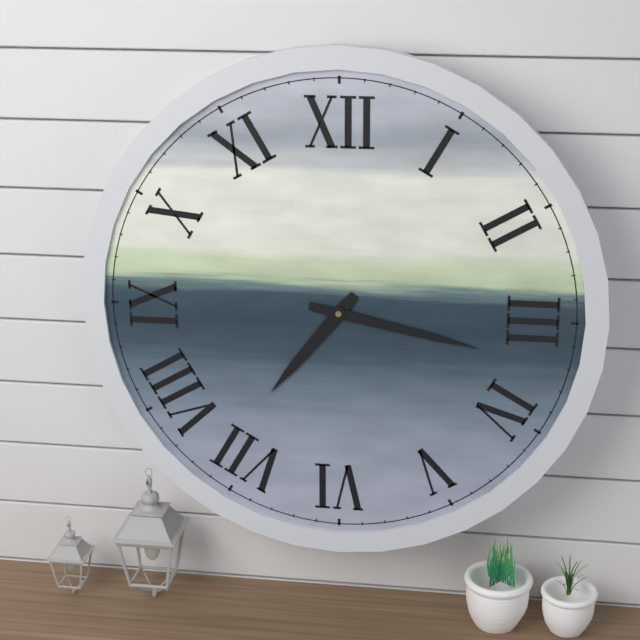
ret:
7:17
